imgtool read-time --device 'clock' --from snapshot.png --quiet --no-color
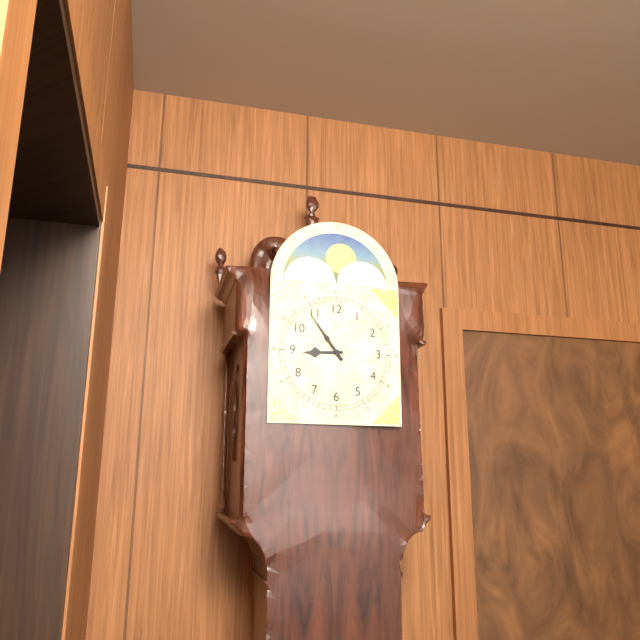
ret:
8:54
